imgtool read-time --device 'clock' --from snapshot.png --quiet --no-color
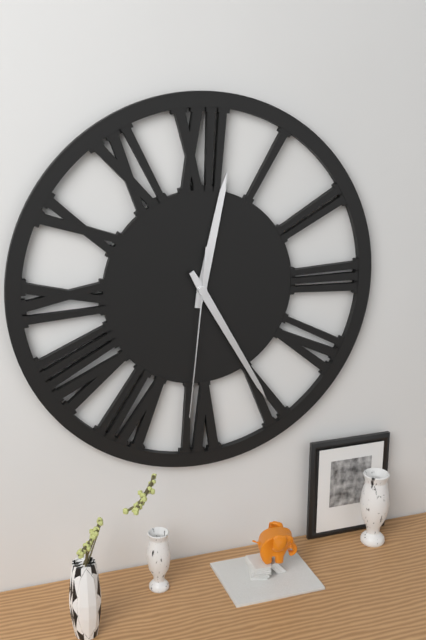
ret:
12:25:31
